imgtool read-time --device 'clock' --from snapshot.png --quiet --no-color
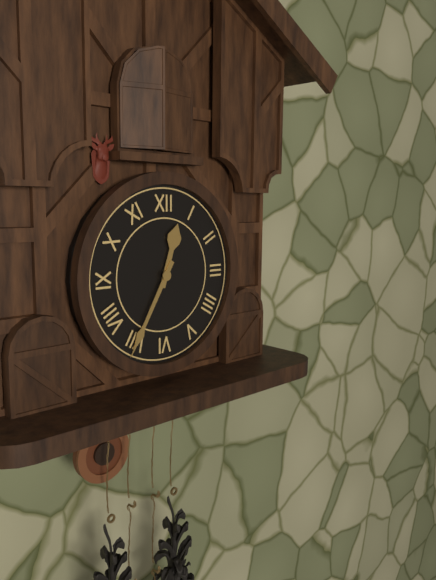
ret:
12:35
